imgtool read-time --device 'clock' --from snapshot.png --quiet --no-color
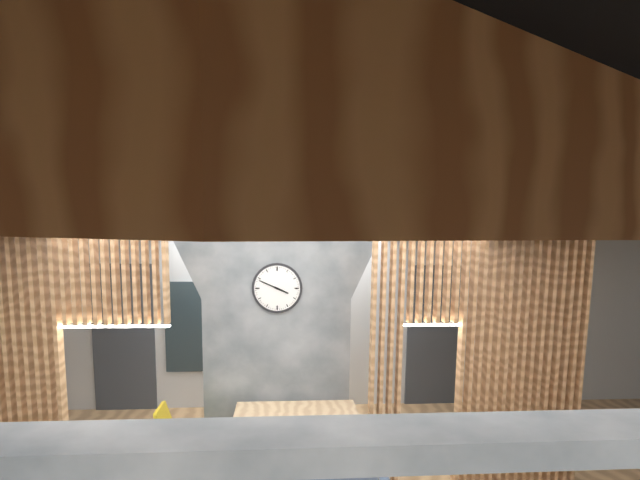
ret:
3:49
